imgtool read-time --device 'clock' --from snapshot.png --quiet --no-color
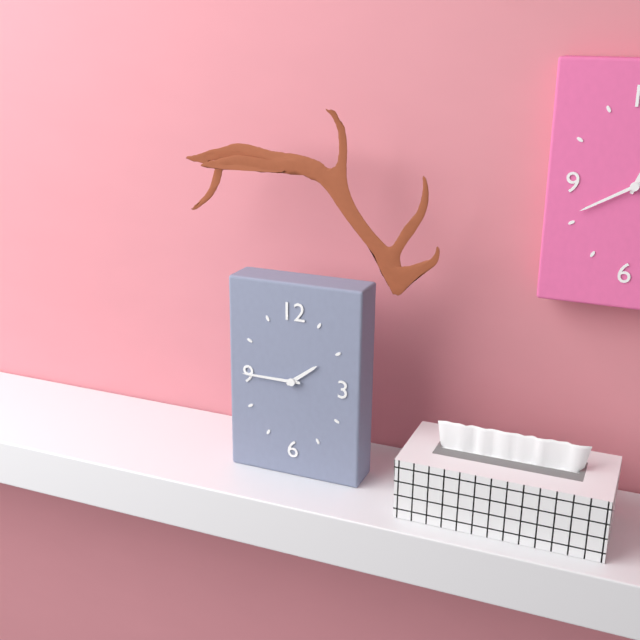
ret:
1:45
